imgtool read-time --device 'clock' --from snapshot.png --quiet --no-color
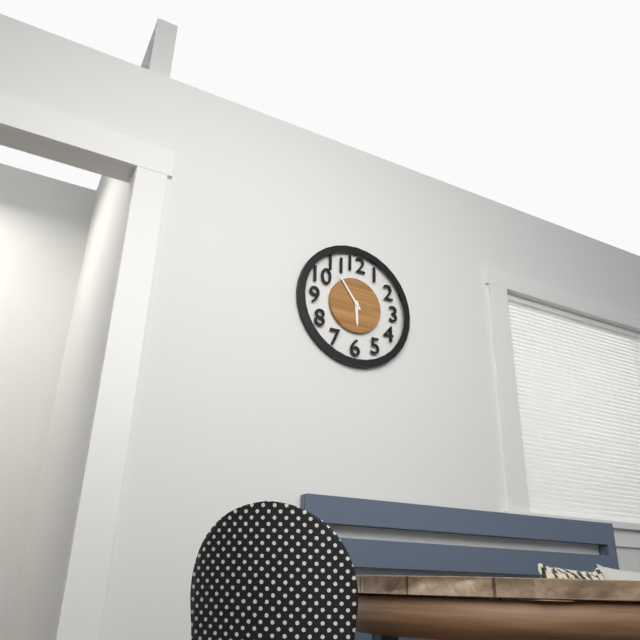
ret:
5:54
